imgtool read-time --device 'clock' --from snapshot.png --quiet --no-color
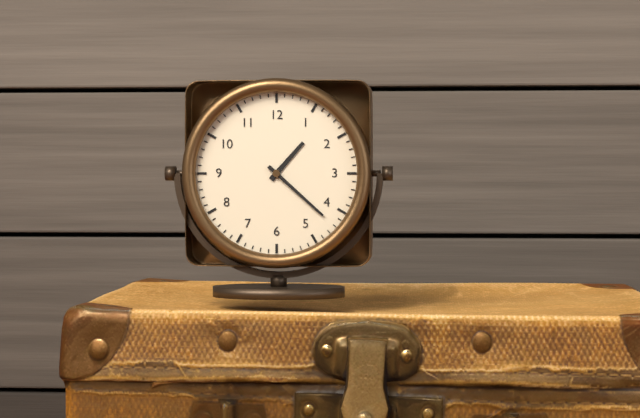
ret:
1:22
